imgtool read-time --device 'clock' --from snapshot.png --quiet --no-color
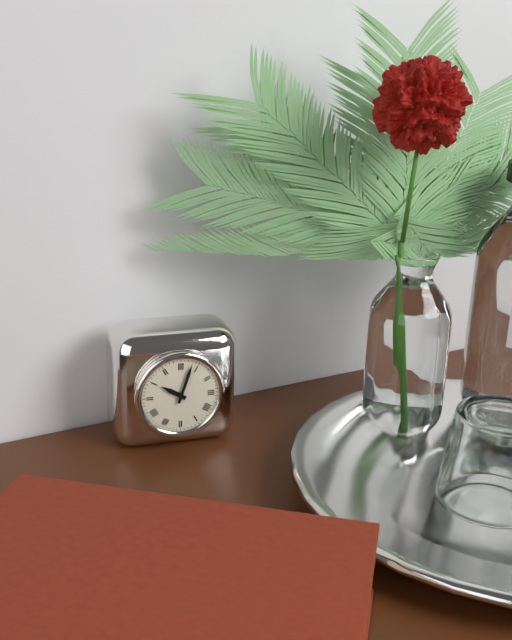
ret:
10:03
